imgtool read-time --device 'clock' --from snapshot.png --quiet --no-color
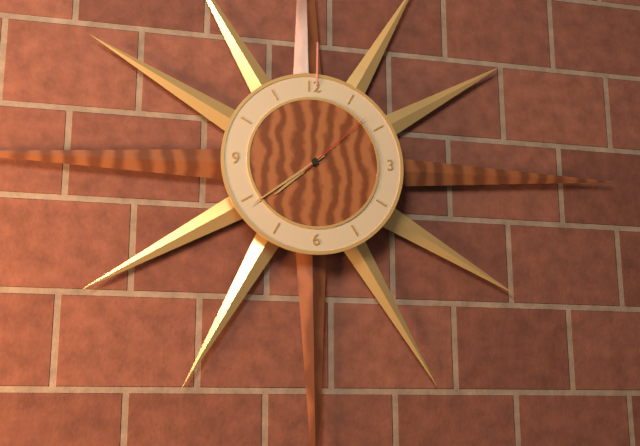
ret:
7:39:08
